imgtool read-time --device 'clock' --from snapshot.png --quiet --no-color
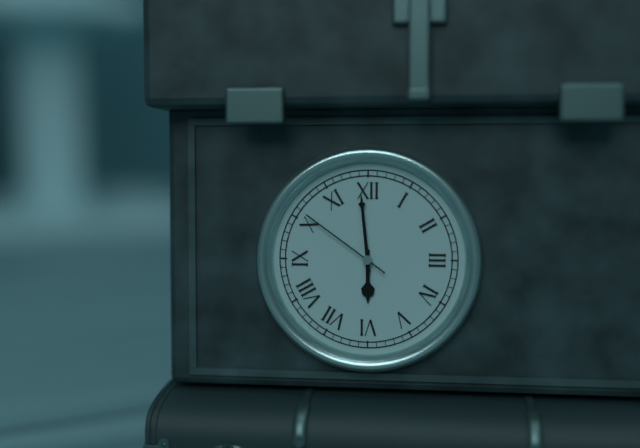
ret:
5:59:51
